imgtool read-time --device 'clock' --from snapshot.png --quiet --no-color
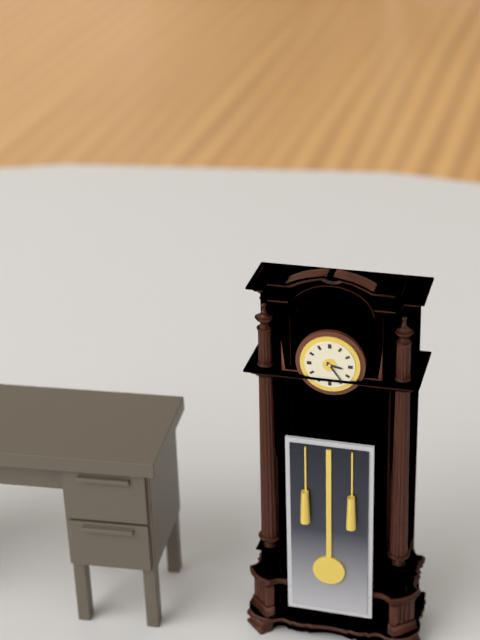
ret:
3:24
